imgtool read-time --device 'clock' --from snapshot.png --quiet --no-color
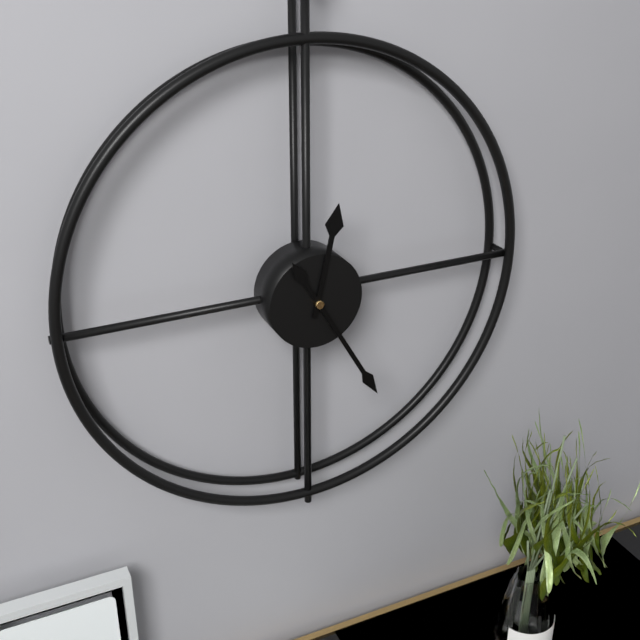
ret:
12:25
